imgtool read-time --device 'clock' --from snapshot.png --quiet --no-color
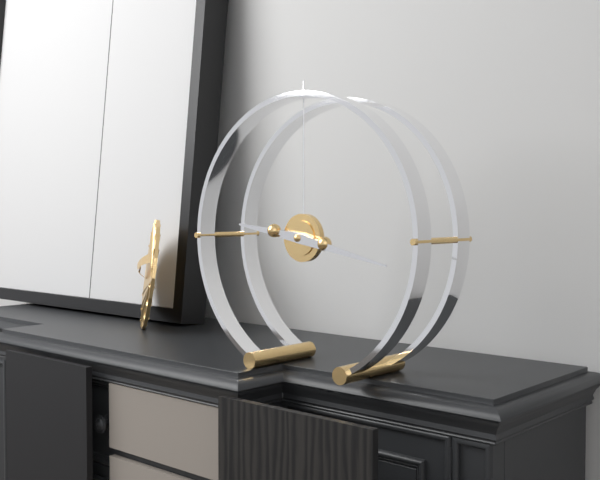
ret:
9:17
